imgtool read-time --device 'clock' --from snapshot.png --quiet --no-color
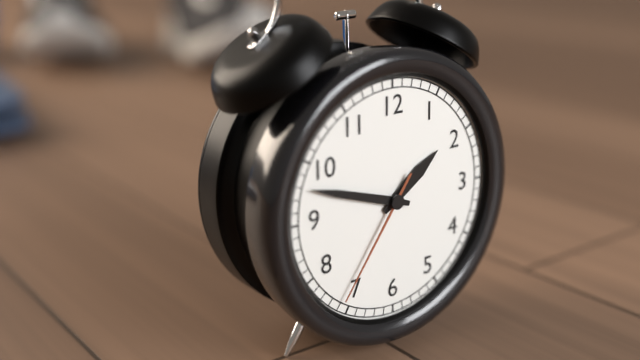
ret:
1:48:36
